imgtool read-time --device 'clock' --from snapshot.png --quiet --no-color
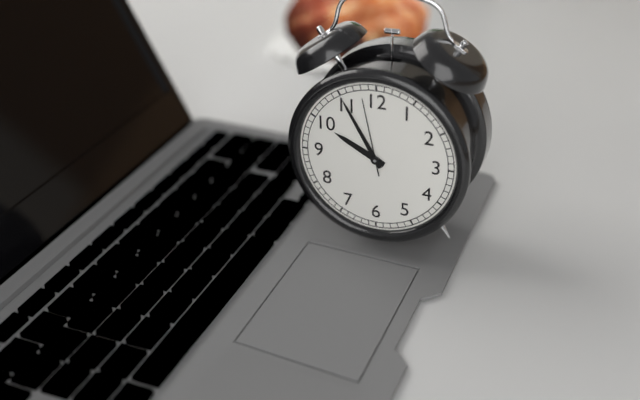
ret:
9:55:58
